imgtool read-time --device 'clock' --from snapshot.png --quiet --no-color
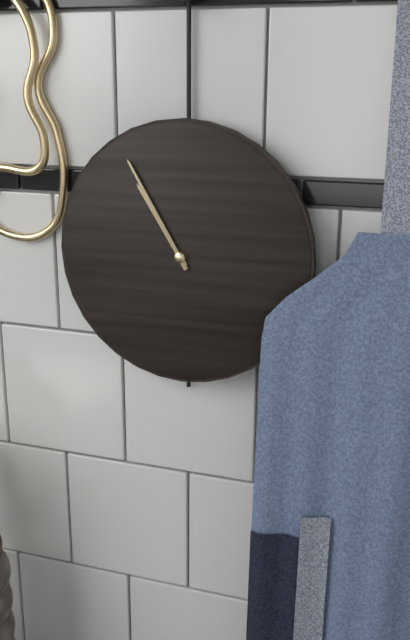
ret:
10:55
